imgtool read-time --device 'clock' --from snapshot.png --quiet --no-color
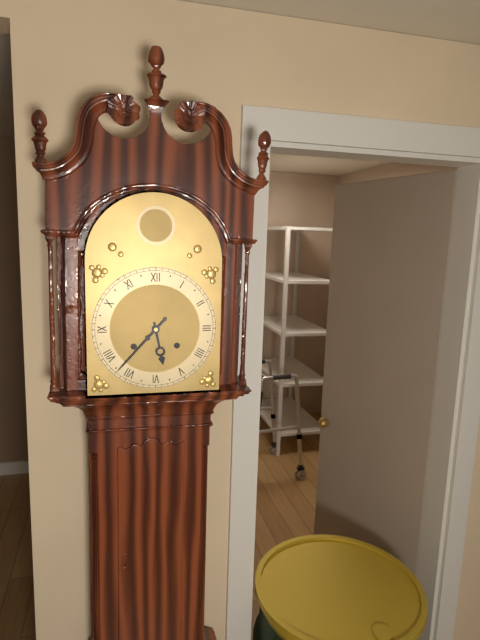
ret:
5:37
